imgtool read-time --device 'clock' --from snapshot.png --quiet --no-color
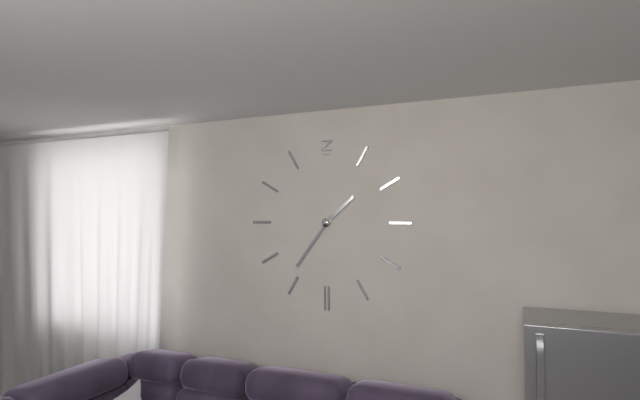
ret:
1:36
